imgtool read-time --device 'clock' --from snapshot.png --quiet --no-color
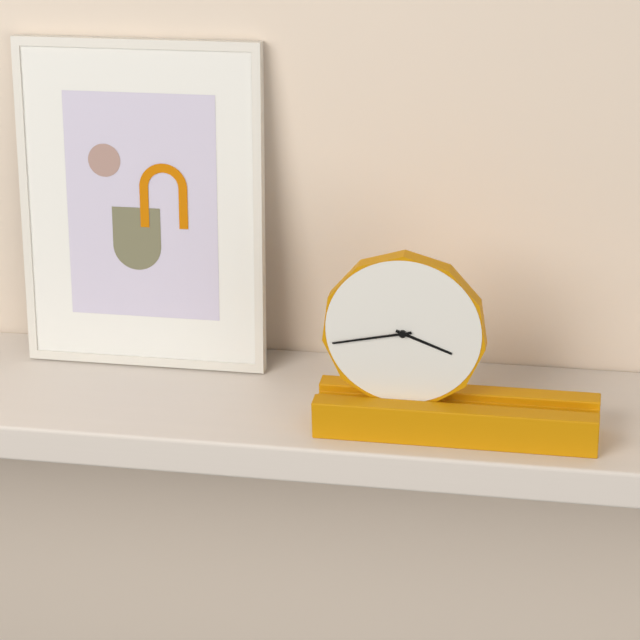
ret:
3:43
